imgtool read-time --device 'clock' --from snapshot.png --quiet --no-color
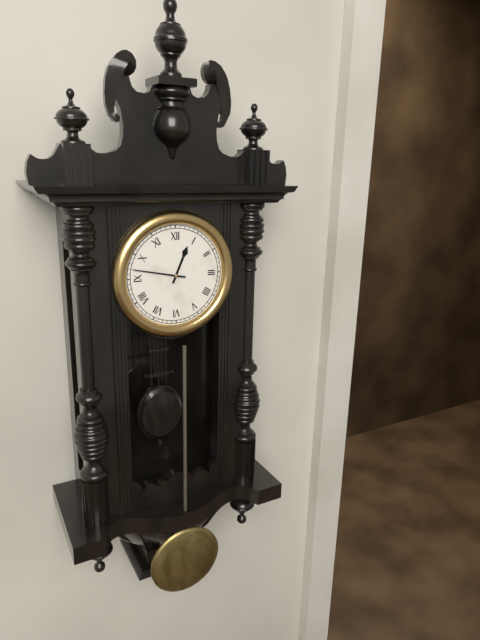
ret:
12:47
